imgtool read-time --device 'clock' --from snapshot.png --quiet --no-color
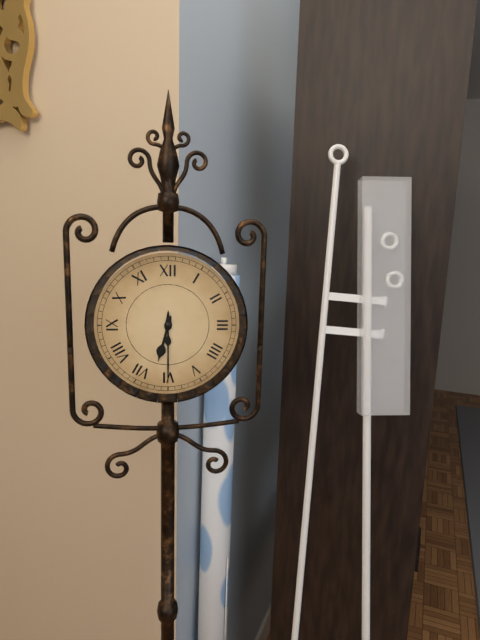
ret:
6:30
